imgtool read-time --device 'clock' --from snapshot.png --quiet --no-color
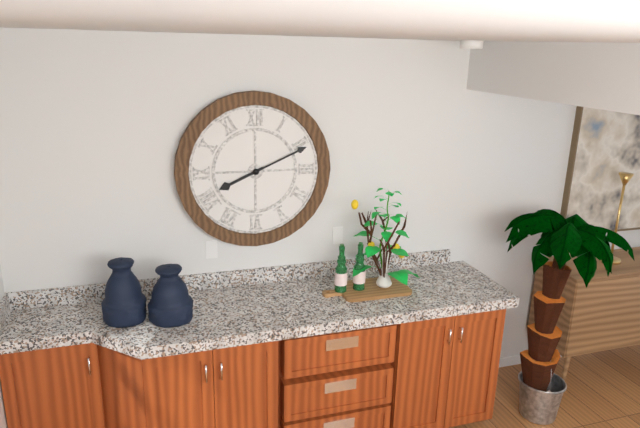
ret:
8:11
